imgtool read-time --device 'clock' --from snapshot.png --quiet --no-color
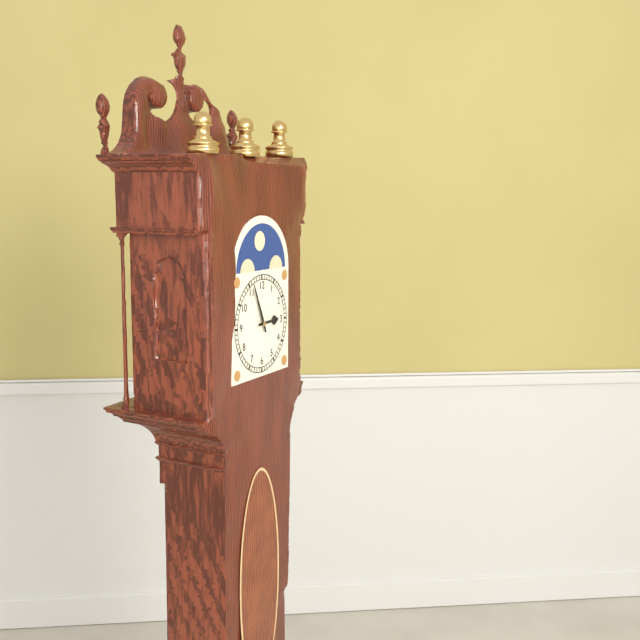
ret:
2:56
